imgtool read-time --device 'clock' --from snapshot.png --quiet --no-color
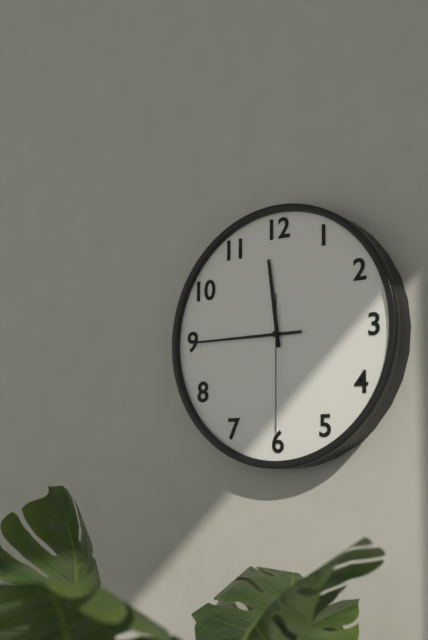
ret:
11:45:30
